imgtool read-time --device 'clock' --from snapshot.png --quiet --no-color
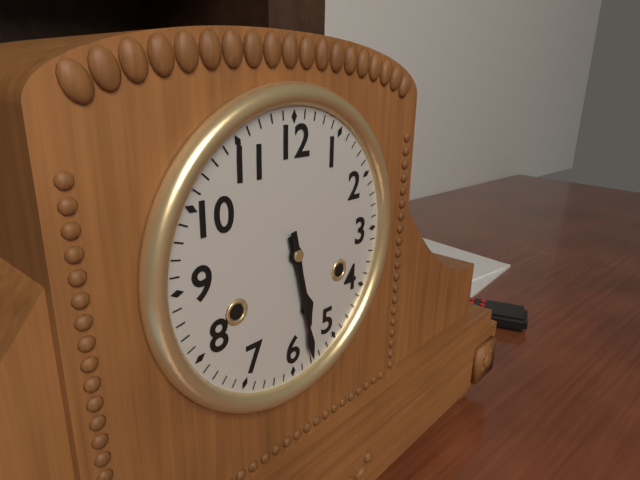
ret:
5:28
